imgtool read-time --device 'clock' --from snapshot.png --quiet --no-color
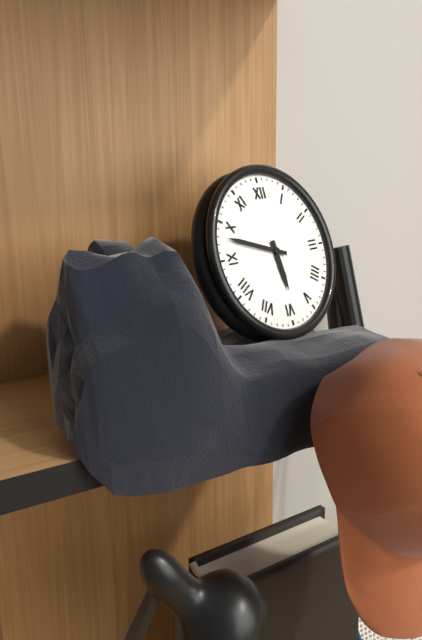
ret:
5:48
